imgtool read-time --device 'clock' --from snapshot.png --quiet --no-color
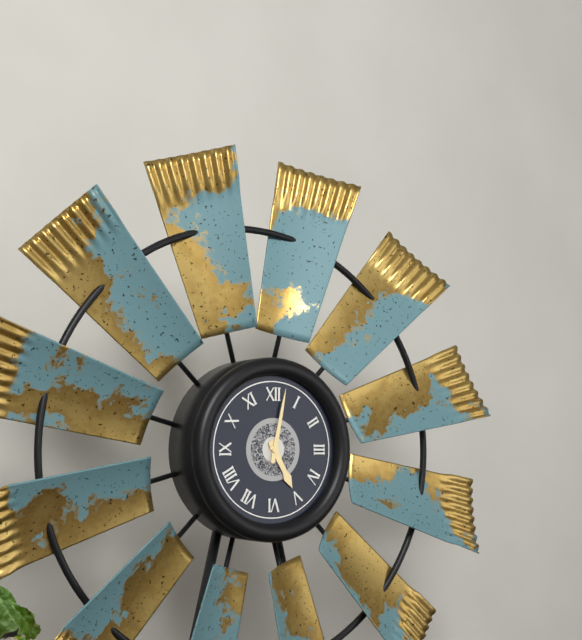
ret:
5:02
